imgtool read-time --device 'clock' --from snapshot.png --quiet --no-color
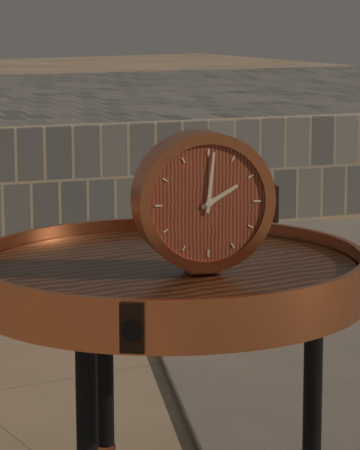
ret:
2:01
